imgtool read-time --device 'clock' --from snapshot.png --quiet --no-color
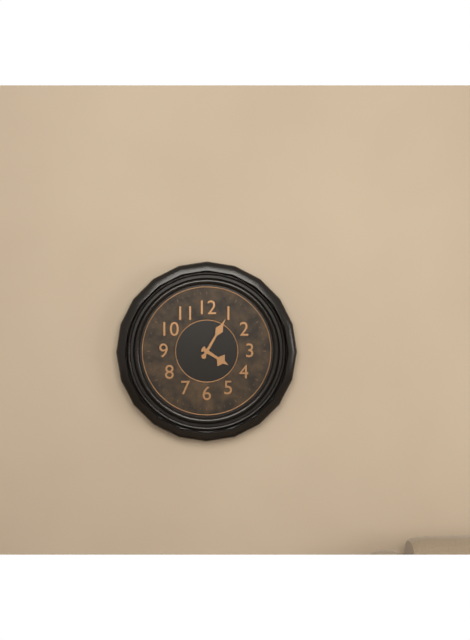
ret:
4:05
